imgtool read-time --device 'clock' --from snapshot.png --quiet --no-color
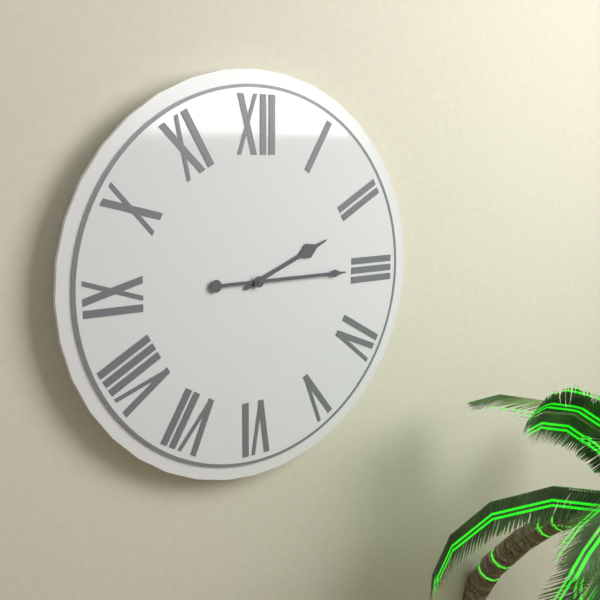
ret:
2:15
